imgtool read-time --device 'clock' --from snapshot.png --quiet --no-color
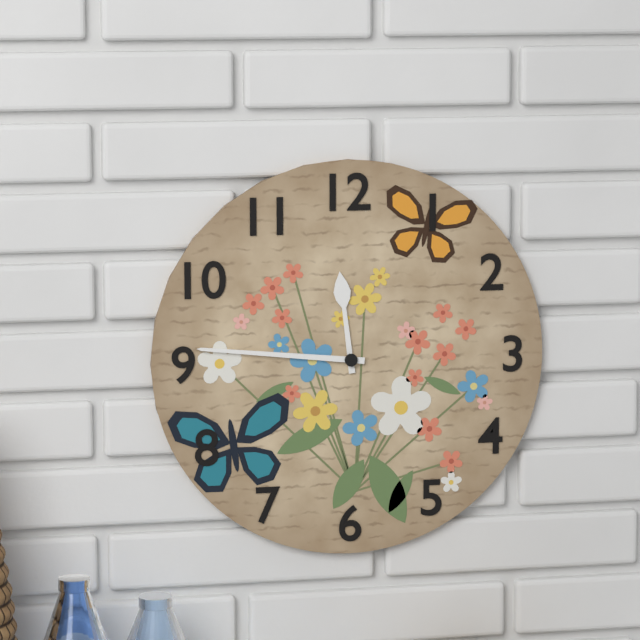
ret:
11:46
